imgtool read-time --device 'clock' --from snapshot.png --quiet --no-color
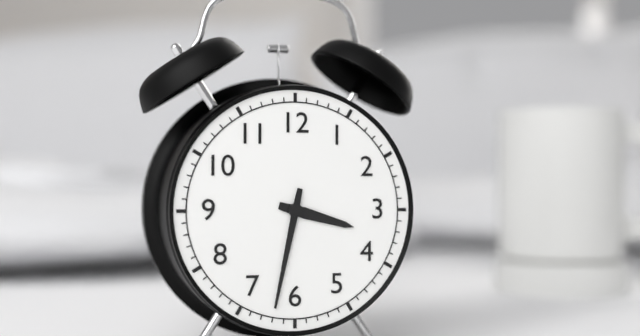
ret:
3:32
